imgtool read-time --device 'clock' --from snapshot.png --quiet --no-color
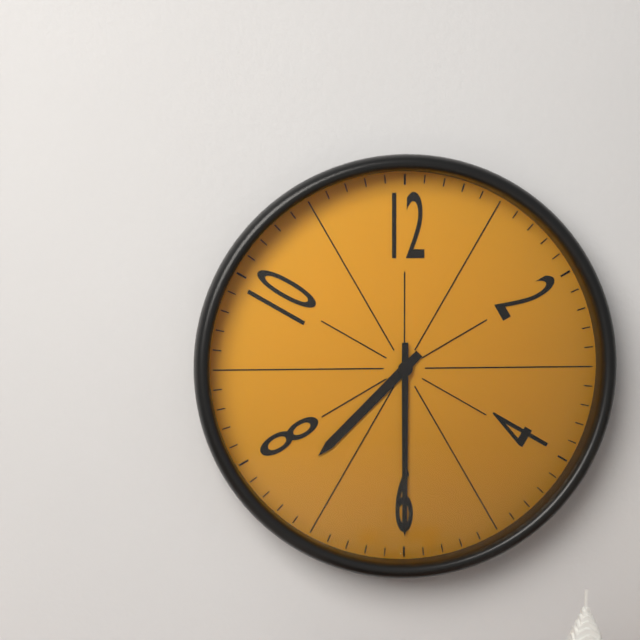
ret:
7:30
